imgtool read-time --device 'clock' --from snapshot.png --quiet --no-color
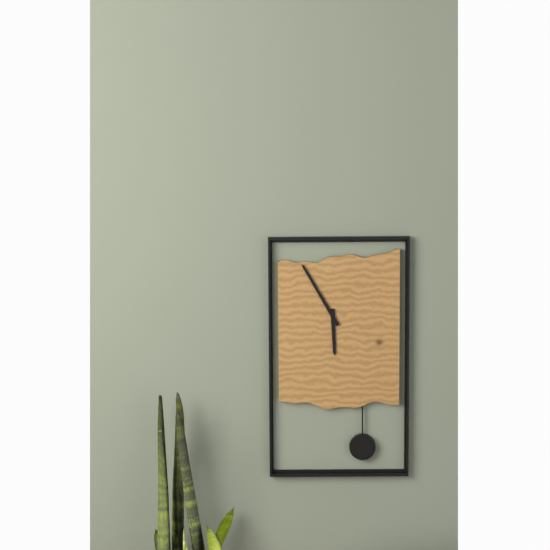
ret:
5:55
